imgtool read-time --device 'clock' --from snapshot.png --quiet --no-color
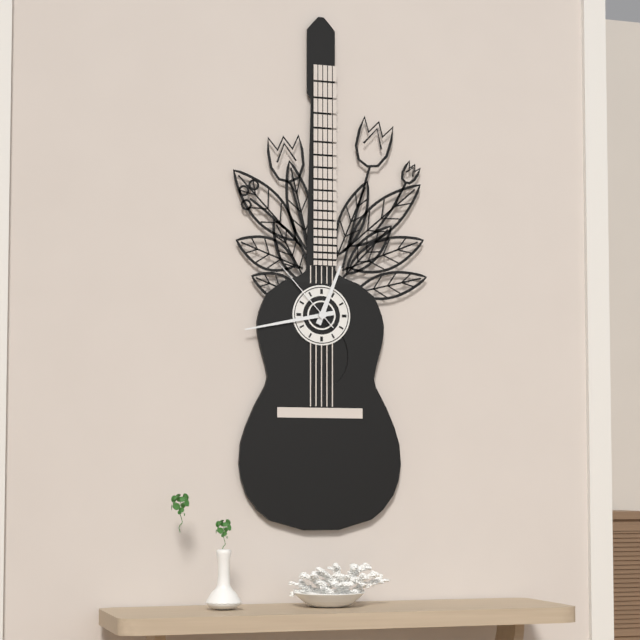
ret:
12:43:53
